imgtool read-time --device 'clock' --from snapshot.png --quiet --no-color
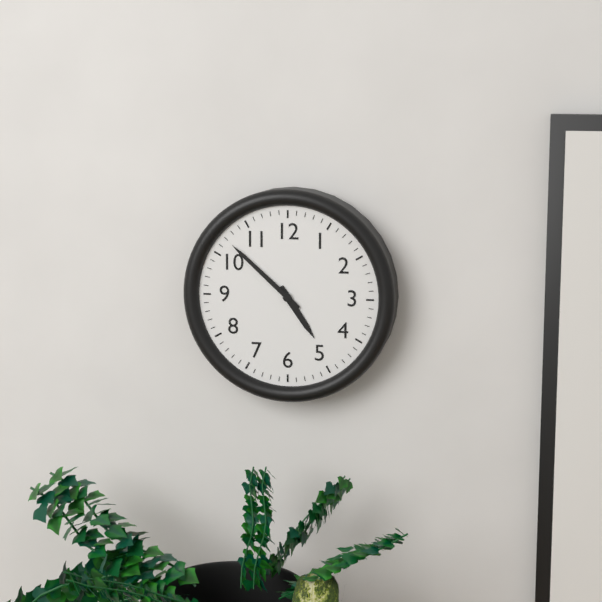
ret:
4:52
